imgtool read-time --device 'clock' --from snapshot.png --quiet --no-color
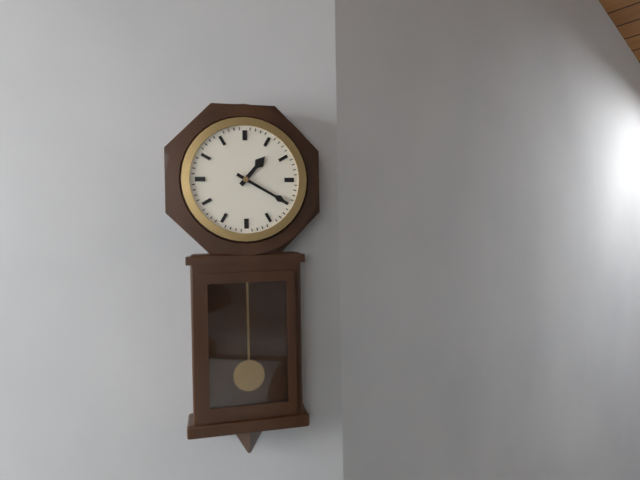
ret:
1:20
